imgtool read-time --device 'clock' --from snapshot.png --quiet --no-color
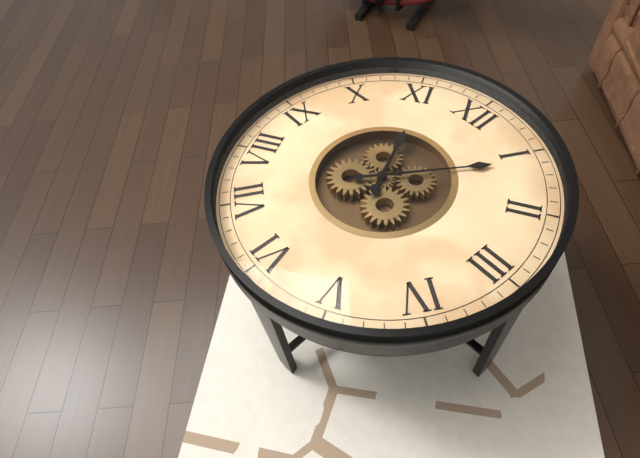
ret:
11:06
